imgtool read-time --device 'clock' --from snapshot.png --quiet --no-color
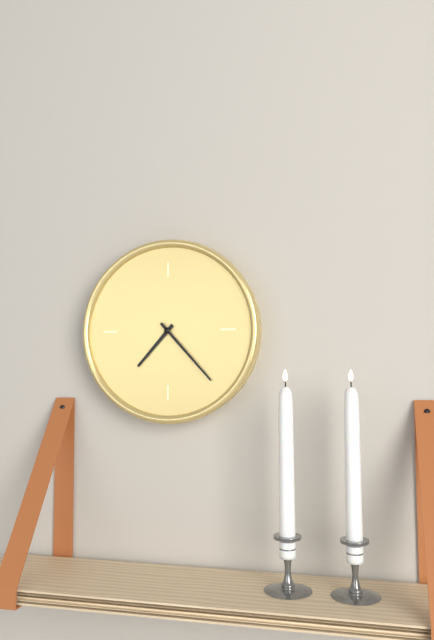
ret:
7:23
